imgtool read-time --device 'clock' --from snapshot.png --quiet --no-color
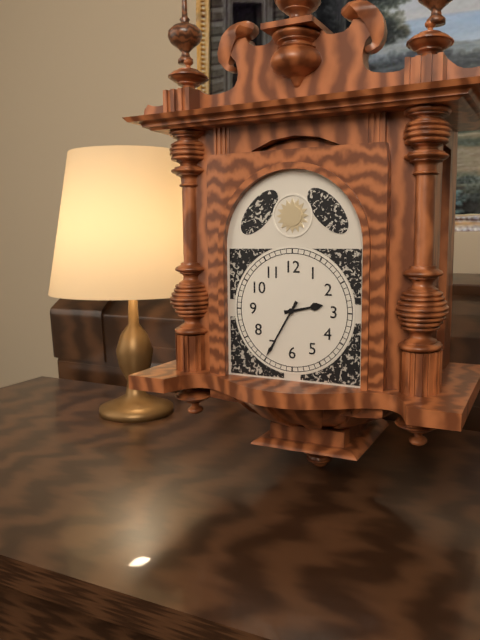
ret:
2:35
